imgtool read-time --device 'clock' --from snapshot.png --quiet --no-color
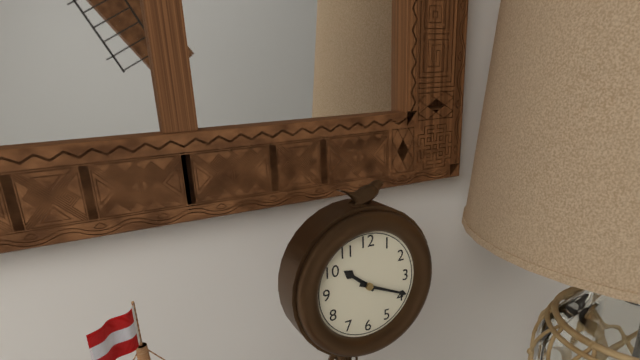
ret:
10:19
